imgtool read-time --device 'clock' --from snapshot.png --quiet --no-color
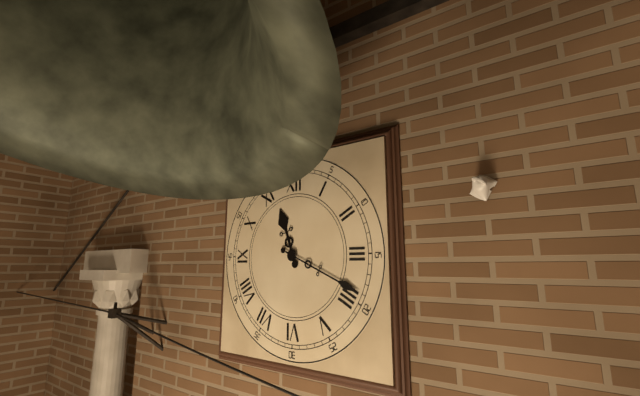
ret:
11:19
